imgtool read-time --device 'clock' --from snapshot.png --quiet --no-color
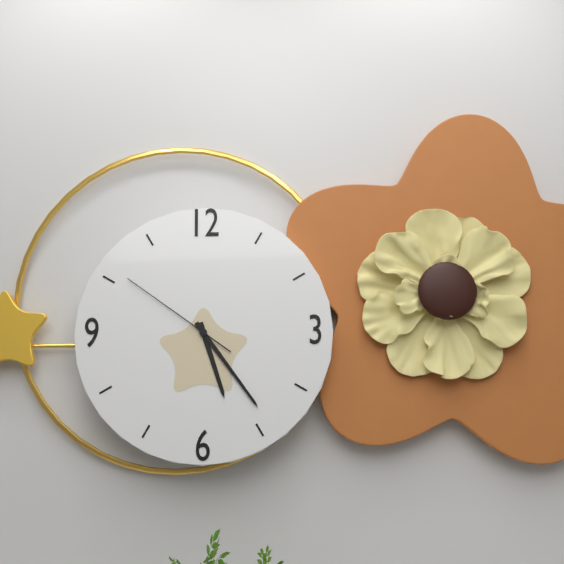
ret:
5:24:51
